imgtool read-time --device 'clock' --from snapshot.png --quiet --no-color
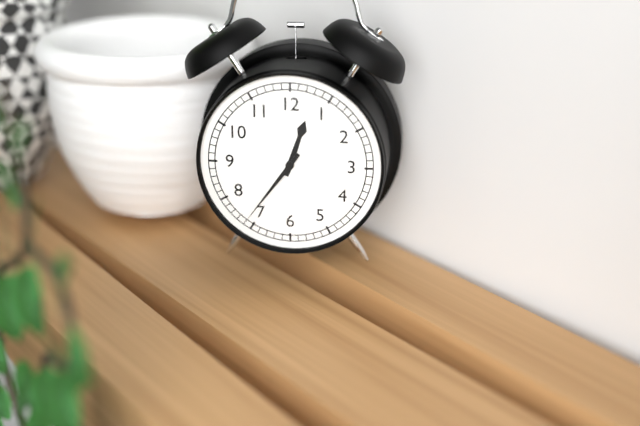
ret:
12:36
